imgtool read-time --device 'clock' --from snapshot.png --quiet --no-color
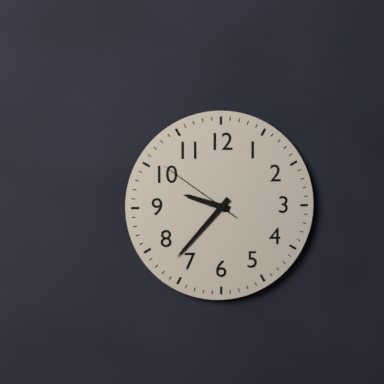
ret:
9:37:51
